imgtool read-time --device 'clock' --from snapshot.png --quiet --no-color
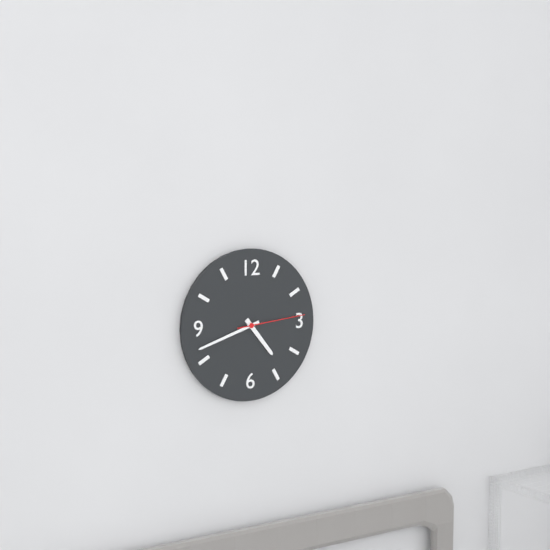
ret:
4:42:14
